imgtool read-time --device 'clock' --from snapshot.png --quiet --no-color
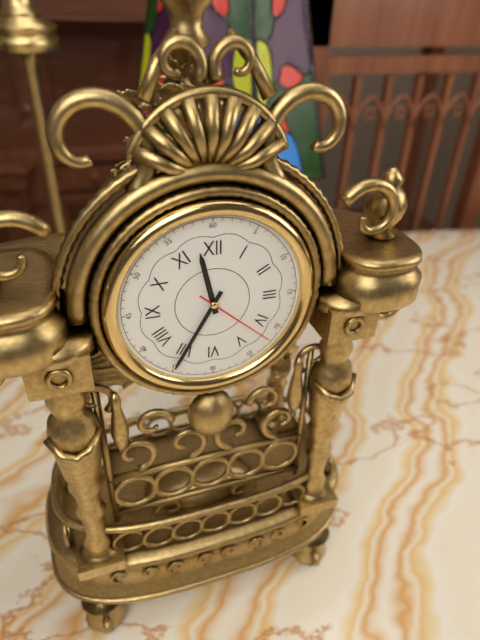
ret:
11:35:22
